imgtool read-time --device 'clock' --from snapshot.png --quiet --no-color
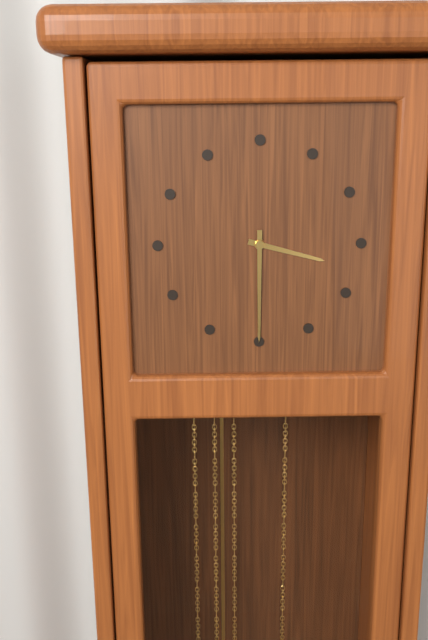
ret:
3:30
